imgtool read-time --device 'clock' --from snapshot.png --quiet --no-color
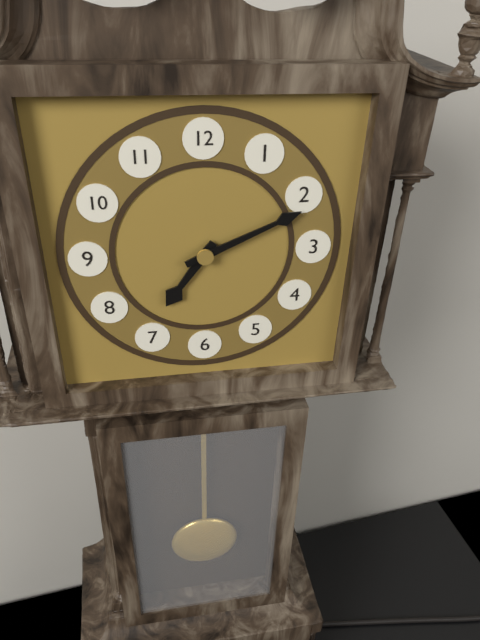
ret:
7:11
